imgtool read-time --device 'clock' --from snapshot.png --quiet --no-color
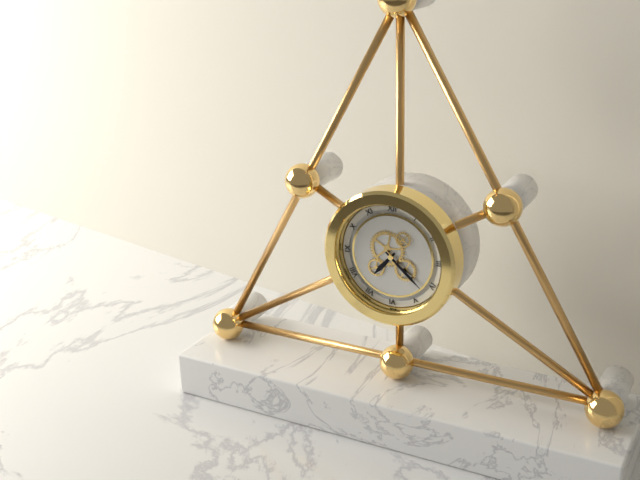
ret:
7:22
